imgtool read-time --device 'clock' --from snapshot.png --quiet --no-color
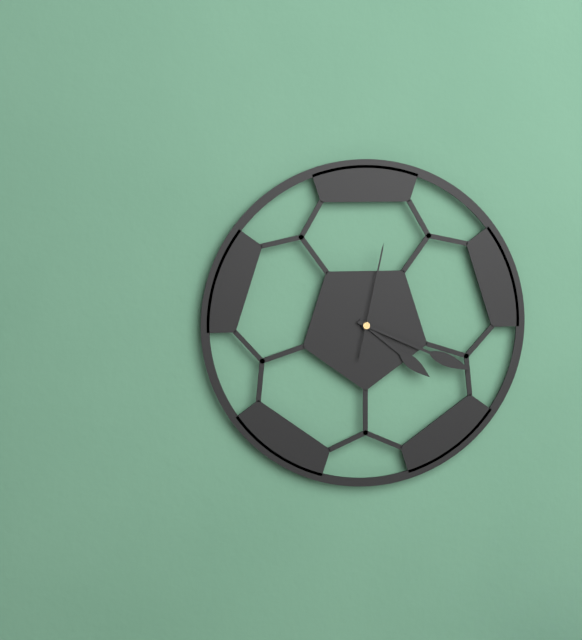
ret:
4:19:02
